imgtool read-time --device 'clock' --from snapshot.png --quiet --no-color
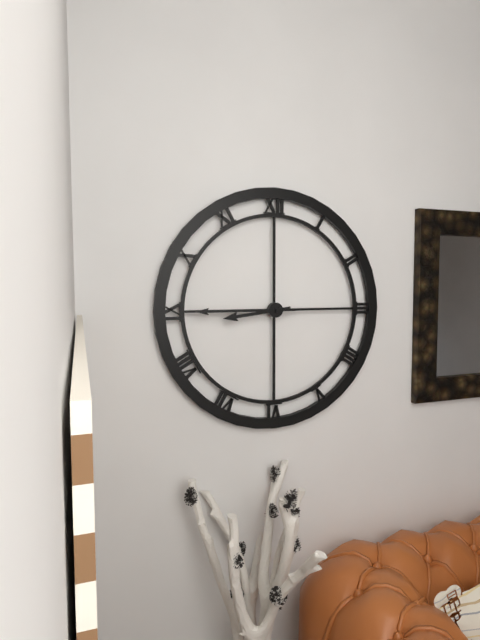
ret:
8:45
